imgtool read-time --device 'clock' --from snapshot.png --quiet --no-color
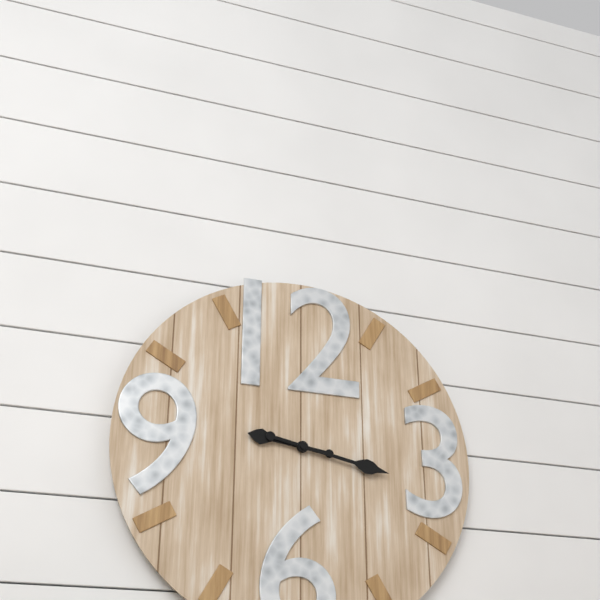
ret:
9:17
